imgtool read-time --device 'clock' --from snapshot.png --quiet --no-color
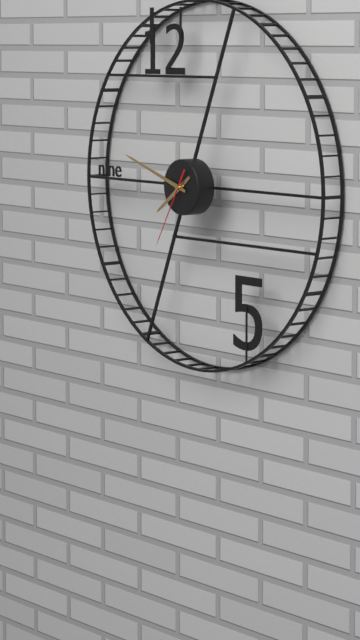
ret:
7:48:35
